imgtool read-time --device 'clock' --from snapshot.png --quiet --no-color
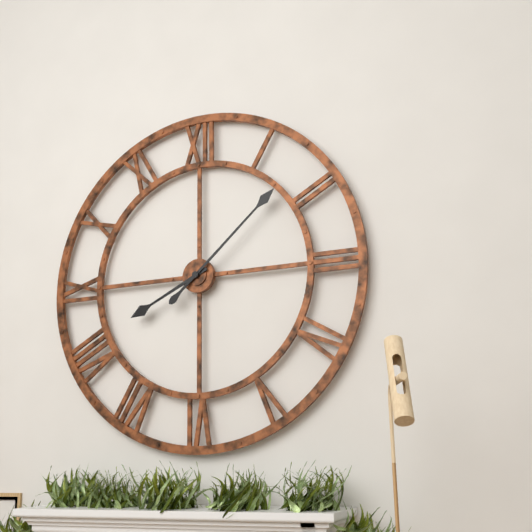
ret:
8:08
